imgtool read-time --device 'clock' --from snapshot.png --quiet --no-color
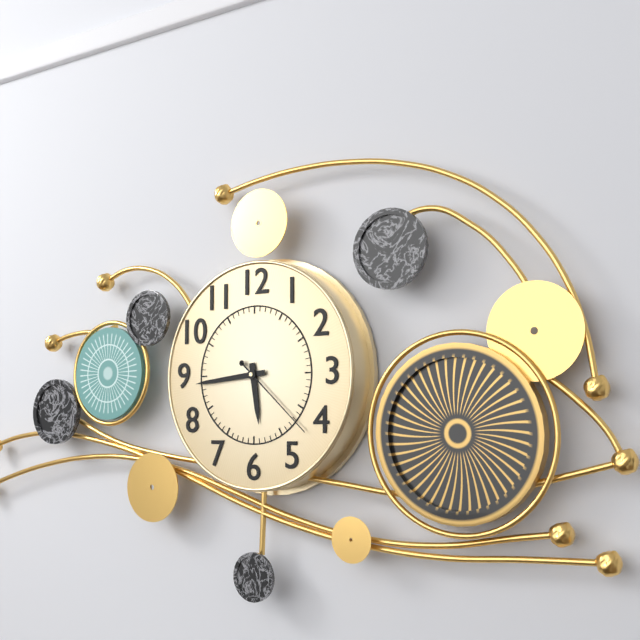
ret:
5:44:22
